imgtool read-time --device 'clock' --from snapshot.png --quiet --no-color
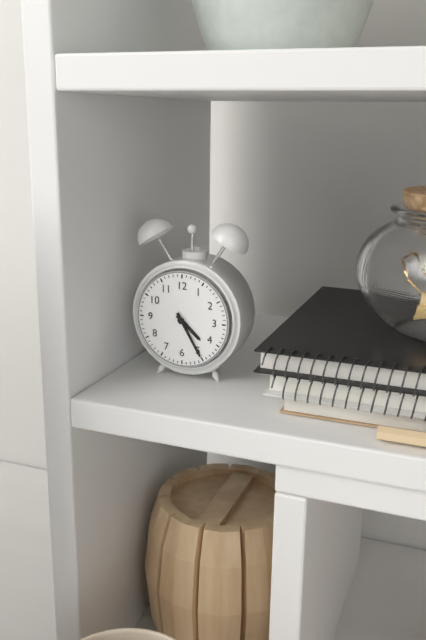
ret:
4:25
